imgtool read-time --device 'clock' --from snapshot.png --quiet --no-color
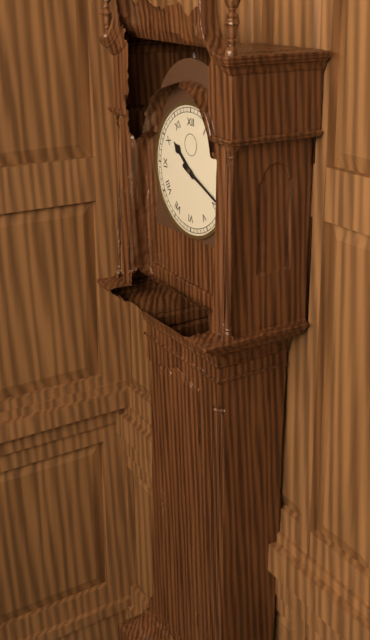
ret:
10:19
